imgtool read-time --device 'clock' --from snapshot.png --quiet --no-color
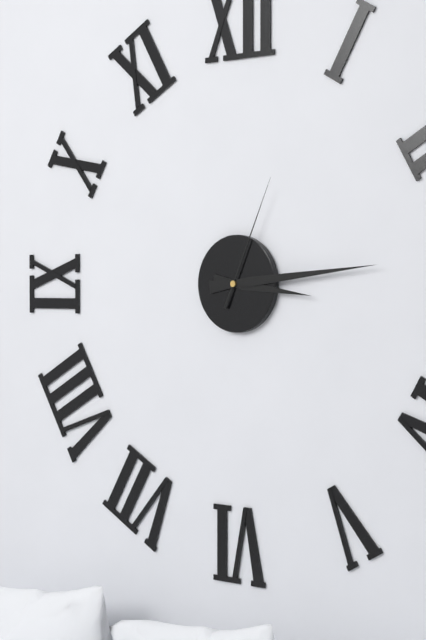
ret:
3:14:04
